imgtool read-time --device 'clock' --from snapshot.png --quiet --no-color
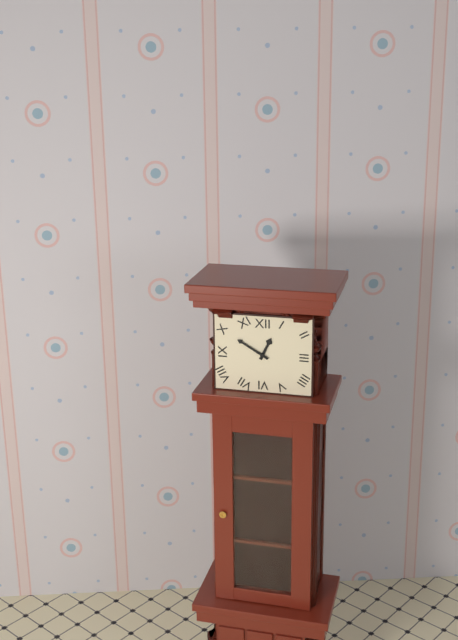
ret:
12:50
